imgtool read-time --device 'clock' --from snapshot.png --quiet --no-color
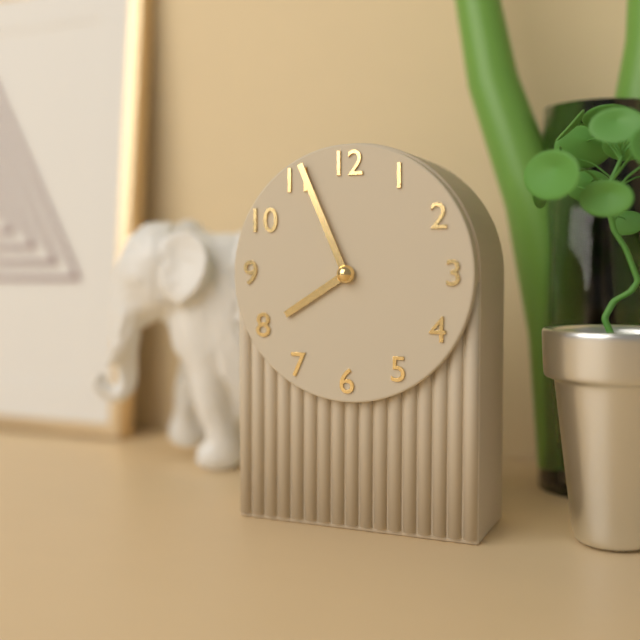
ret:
7:56
